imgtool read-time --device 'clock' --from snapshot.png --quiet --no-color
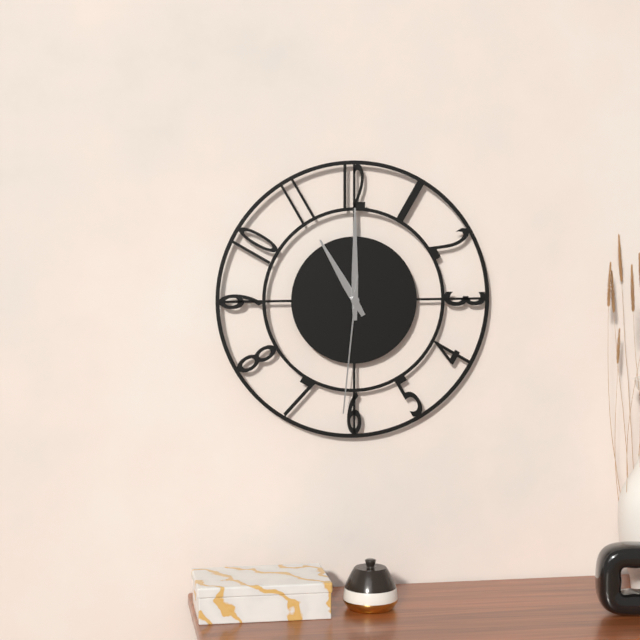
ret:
11:00:31
